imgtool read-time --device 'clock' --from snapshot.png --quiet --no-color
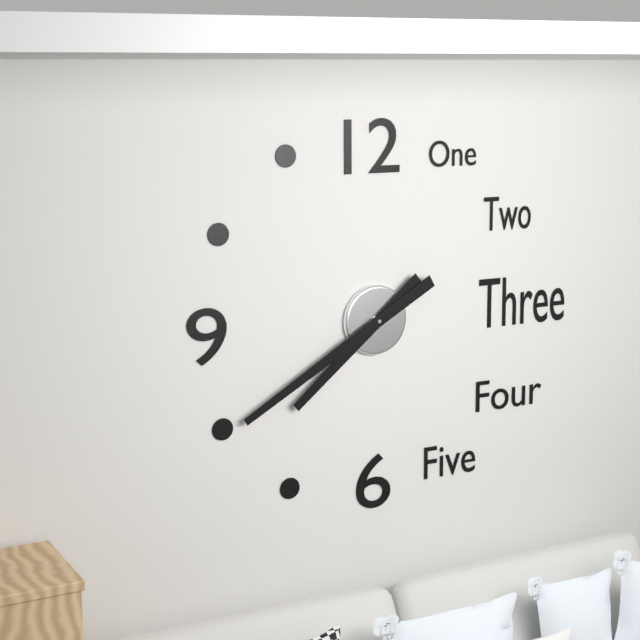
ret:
7:40
